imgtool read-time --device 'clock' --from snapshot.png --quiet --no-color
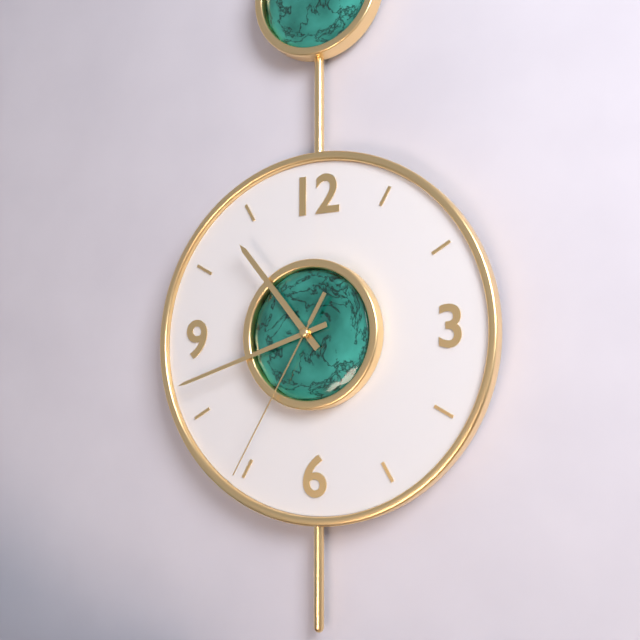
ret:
10:42:35
